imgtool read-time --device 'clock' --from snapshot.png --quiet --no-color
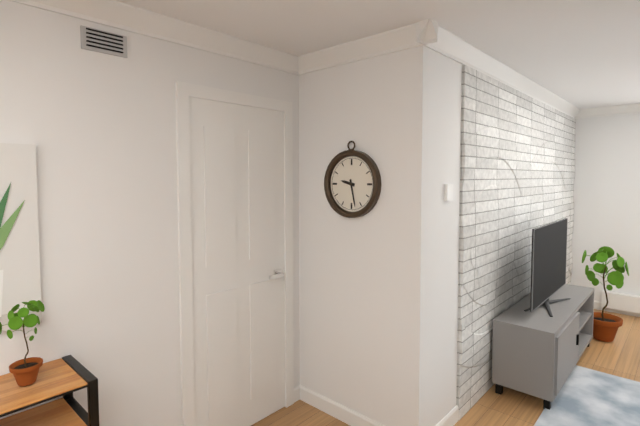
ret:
9:28
